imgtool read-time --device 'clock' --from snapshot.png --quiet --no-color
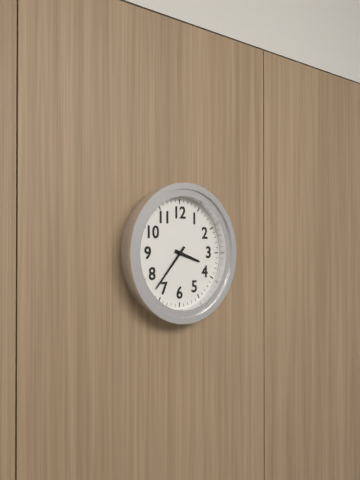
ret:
3:37
